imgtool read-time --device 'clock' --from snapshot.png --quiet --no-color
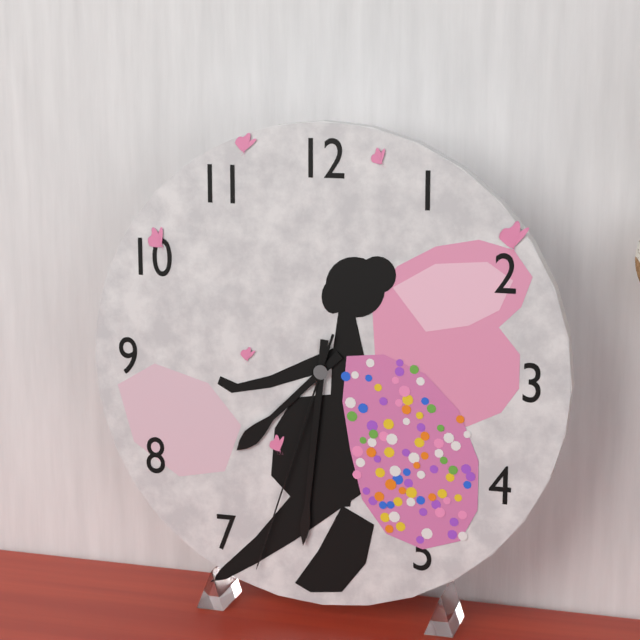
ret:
7:31:33
